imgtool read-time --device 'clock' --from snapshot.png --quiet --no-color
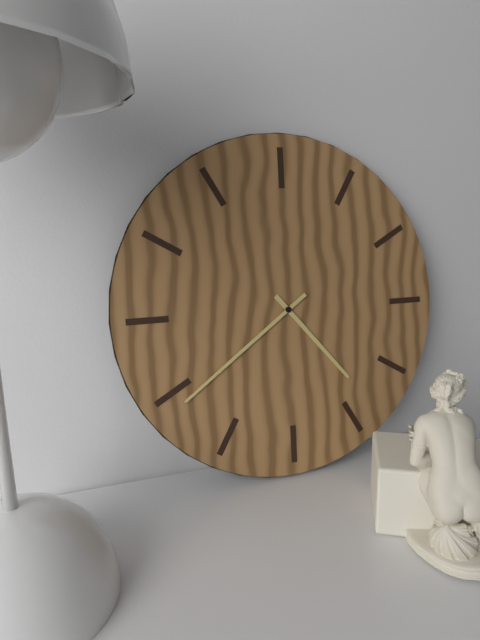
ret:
4:39
